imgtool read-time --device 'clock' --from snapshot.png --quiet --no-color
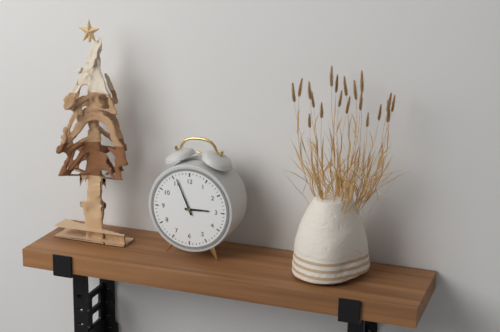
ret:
2:56
